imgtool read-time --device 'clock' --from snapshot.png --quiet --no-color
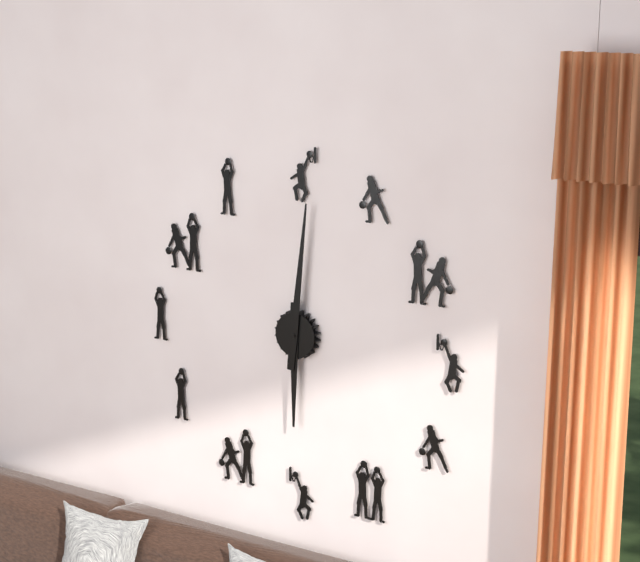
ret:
6:01
